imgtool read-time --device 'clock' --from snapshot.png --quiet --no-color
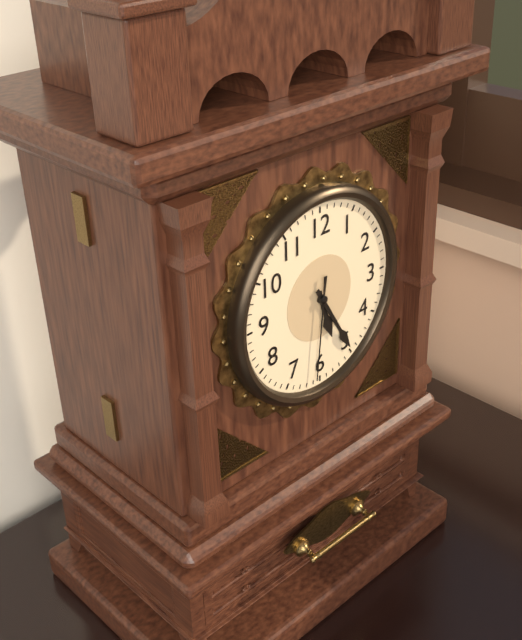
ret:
5:25:31
